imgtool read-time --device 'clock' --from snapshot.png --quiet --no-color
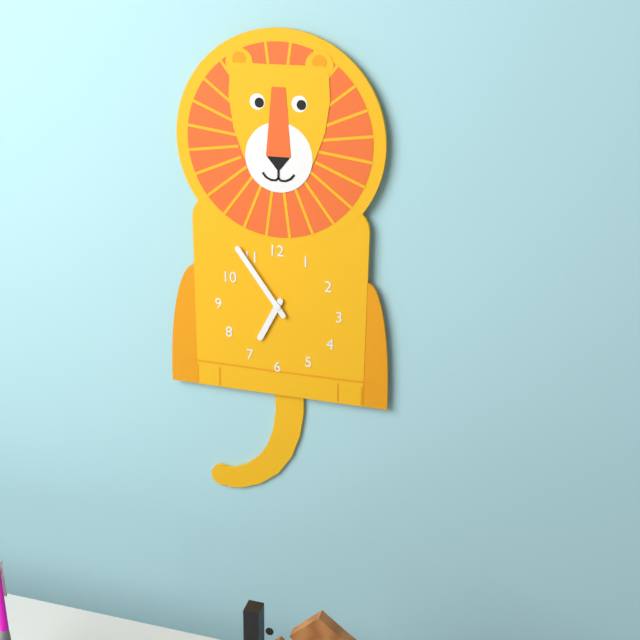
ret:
6:54
